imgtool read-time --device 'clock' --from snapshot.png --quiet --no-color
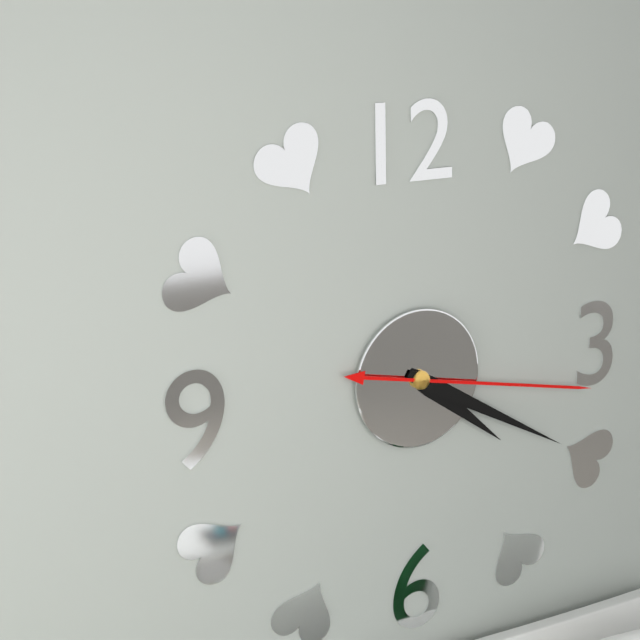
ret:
4:20:17
